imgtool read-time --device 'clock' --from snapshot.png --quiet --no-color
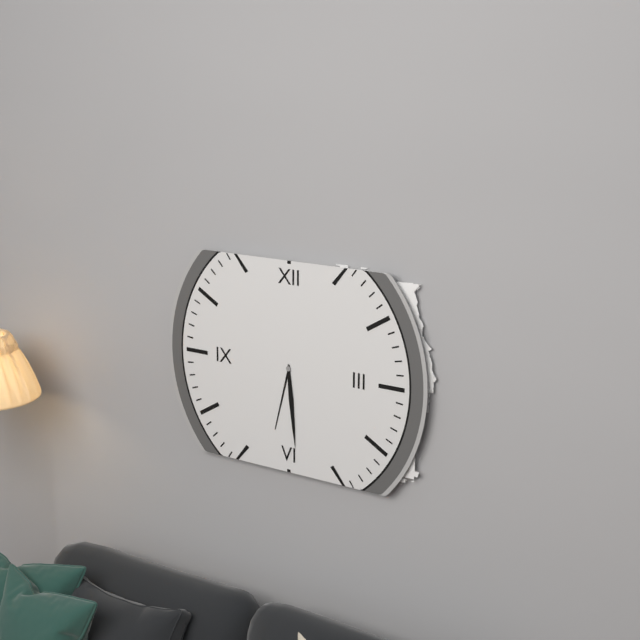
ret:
6:29
